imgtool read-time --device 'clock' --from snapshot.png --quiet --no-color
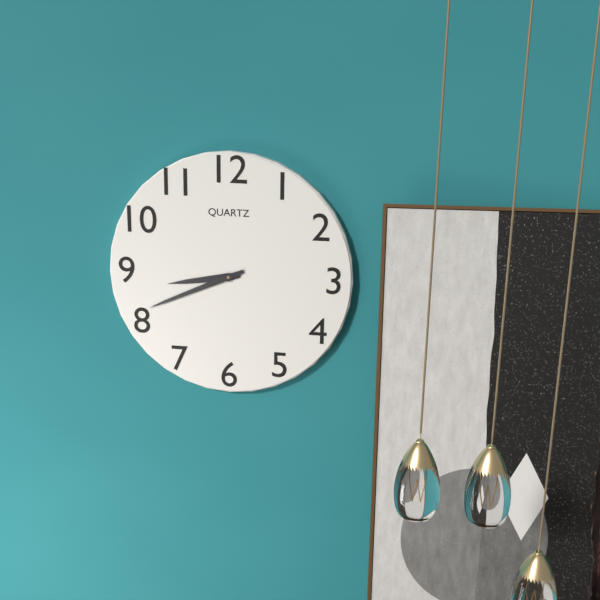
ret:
8:41
